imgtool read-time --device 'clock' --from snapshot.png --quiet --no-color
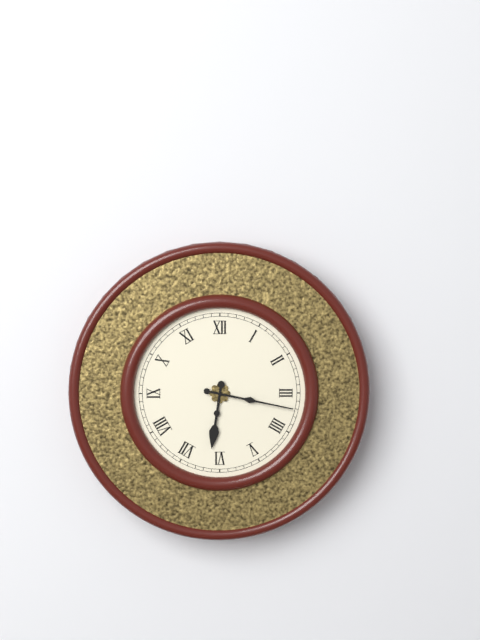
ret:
6:17
